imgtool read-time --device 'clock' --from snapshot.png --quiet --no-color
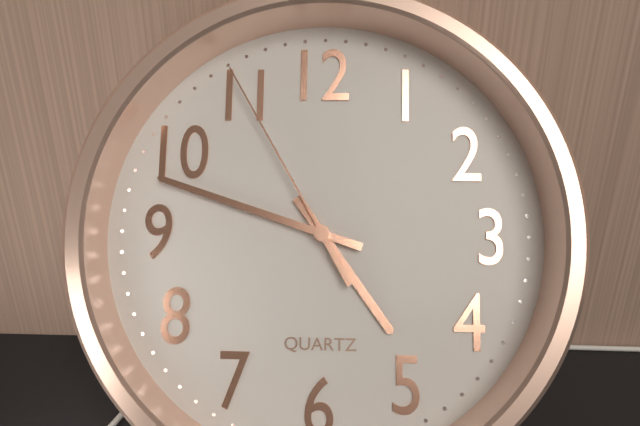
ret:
4:48:55
